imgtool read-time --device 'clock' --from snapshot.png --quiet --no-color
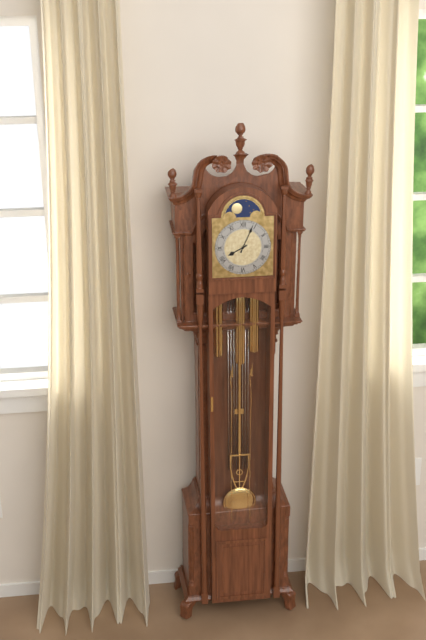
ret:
8:04
